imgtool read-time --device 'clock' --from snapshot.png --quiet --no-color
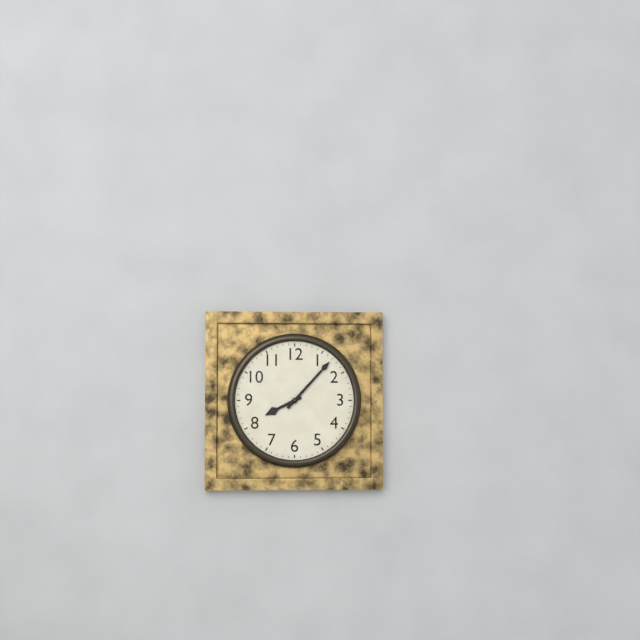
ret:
8:07
